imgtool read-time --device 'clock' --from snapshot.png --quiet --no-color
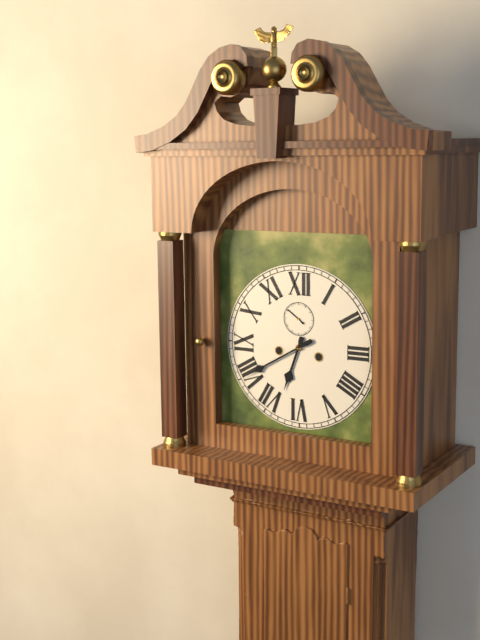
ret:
6:40
